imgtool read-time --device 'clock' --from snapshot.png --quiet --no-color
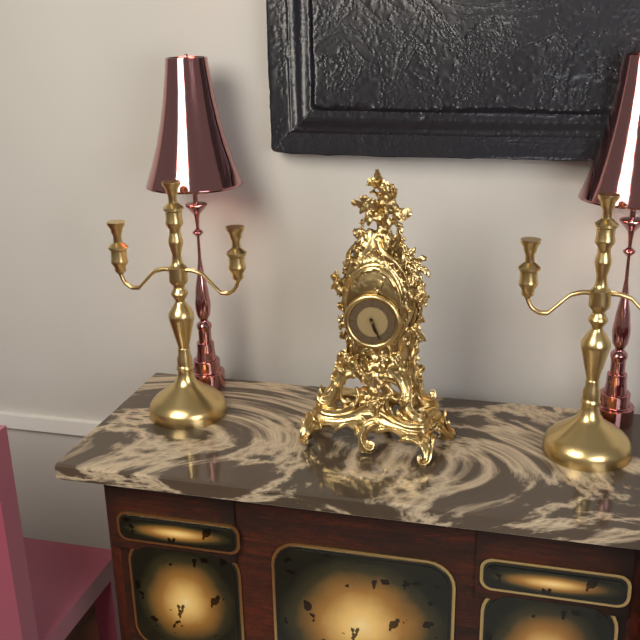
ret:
5:26
